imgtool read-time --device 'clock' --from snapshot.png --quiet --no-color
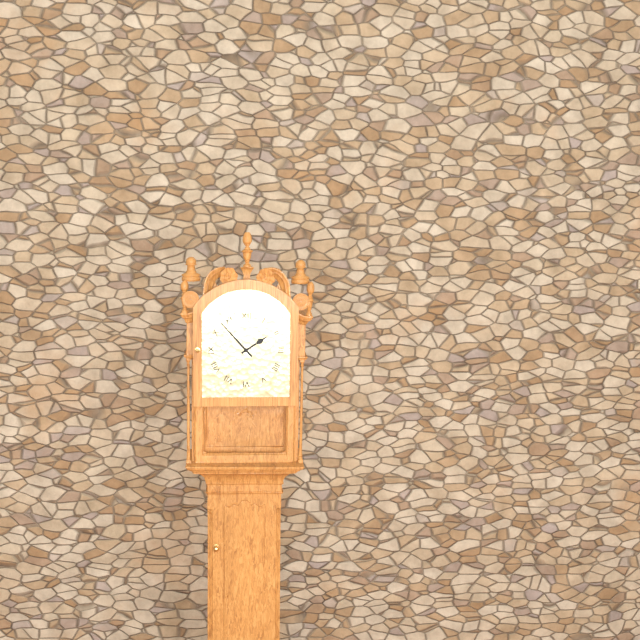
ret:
1:53
